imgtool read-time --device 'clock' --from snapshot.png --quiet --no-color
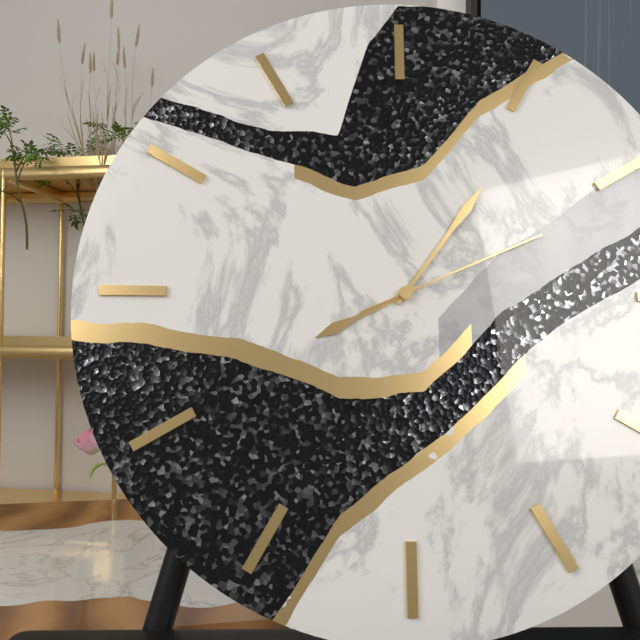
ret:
8:06:11
